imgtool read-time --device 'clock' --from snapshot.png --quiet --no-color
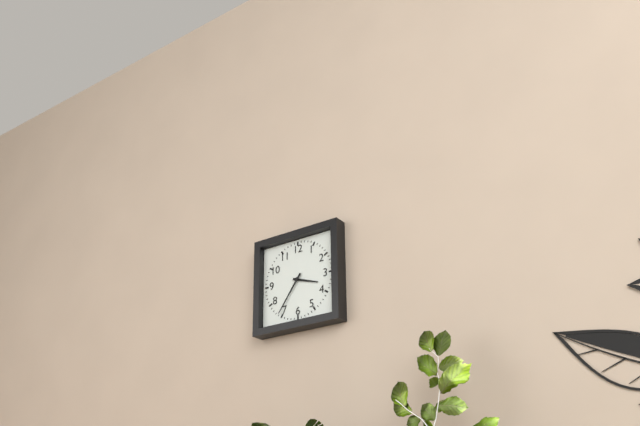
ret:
3:36
